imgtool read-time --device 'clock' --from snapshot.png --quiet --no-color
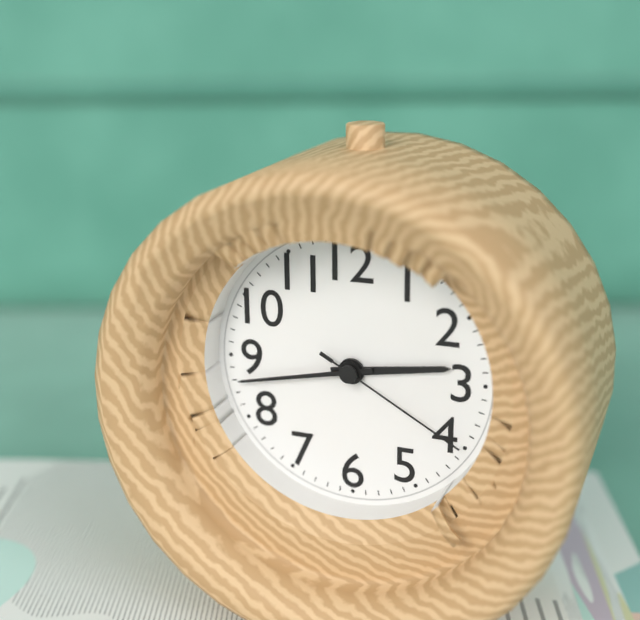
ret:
2:43:20
